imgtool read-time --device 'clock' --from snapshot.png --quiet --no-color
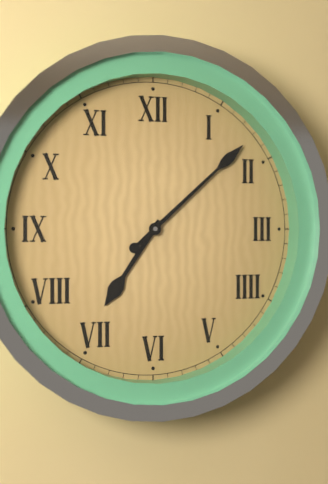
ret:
7:08
